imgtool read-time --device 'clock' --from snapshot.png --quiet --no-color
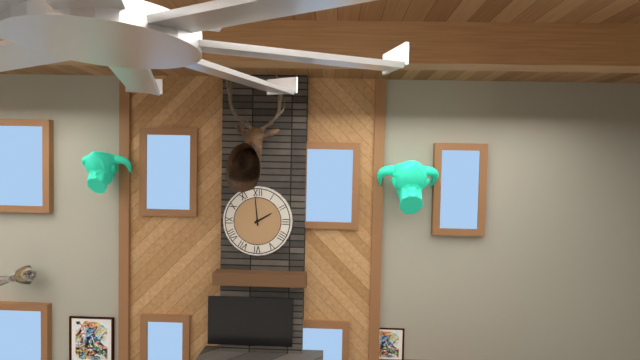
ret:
1:59
